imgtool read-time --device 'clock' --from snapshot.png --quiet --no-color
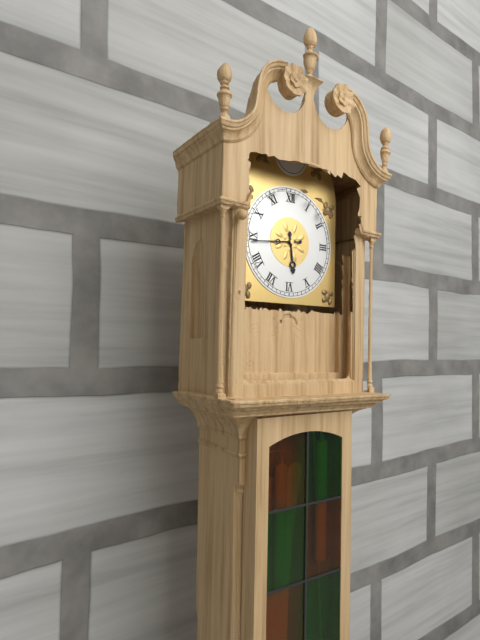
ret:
5:44
